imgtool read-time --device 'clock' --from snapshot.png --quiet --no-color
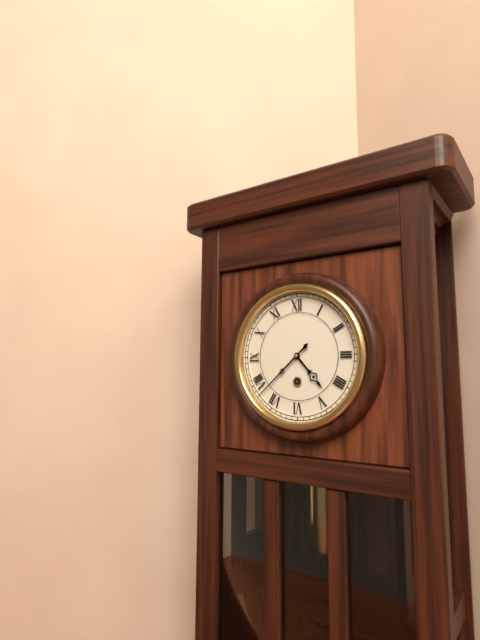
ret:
4:38
